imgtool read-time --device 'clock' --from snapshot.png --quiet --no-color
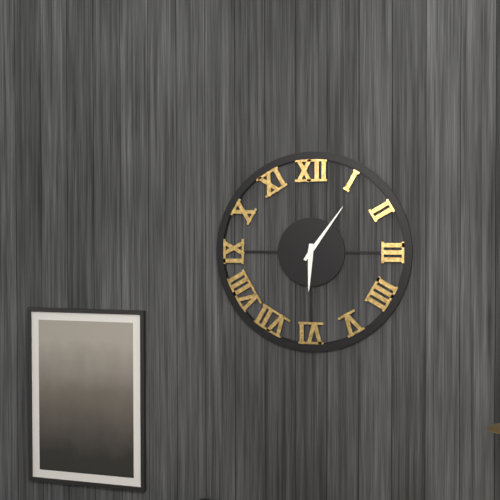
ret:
6:06
